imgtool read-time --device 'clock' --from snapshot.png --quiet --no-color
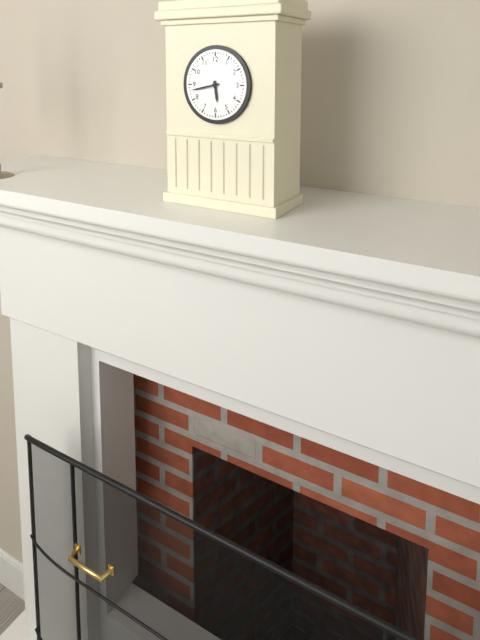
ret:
5:43
